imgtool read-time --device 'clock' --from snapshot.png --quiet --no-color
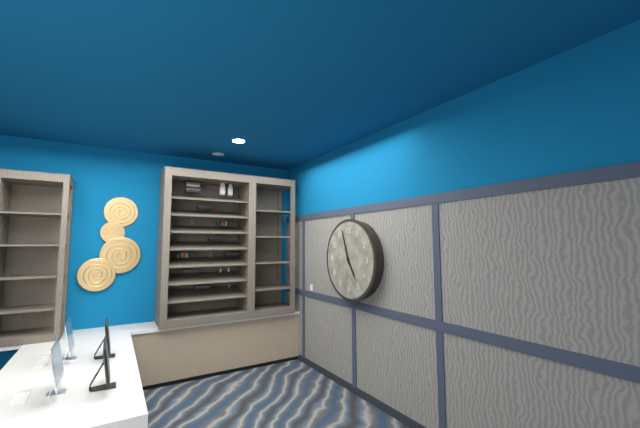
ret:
4:57
